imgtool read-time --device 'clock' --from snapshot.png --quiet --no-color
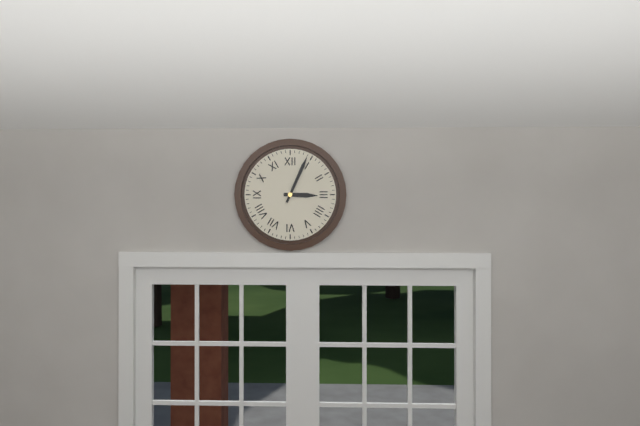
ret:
3:04
